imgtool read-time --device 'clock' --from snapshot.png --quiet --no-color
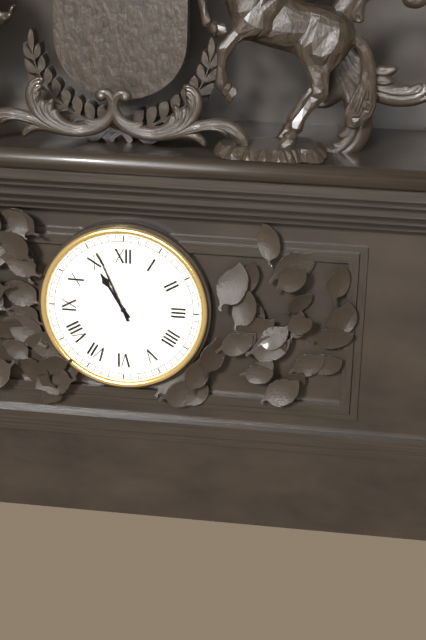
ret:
10:56
